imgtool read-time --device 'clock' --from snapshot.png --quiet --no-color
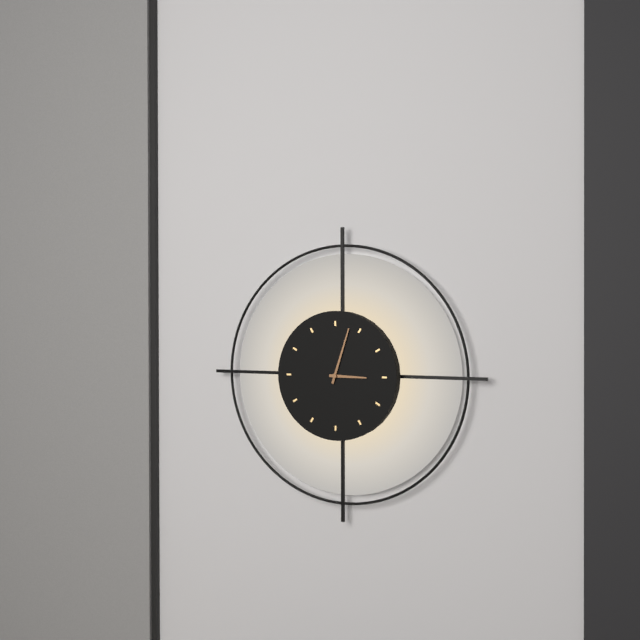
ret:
3:03
